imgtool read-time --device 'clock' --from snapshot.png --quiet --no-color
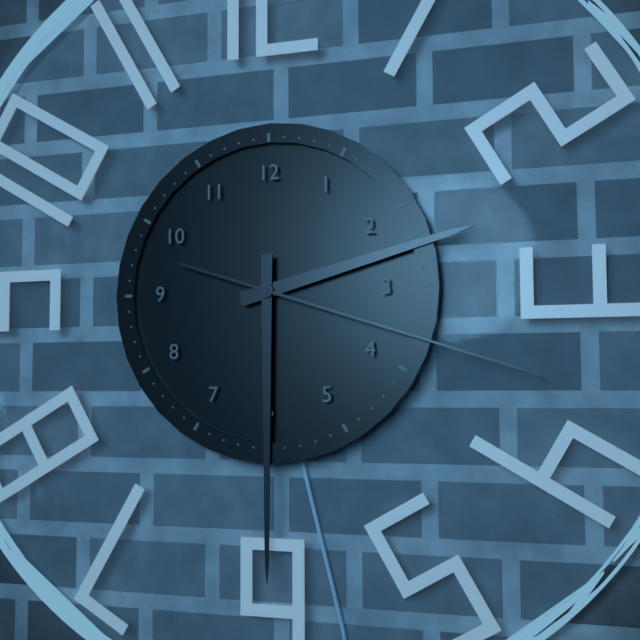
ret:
2:30:18
